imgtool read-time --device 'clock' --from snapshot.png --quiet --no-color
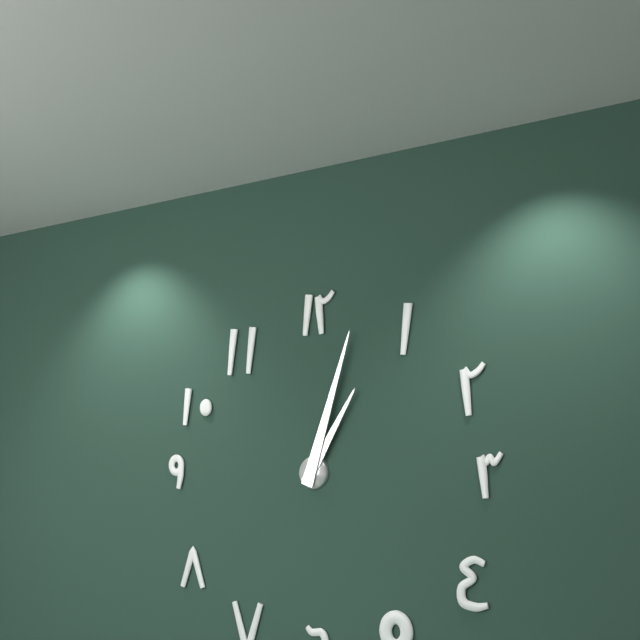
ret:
1:03
